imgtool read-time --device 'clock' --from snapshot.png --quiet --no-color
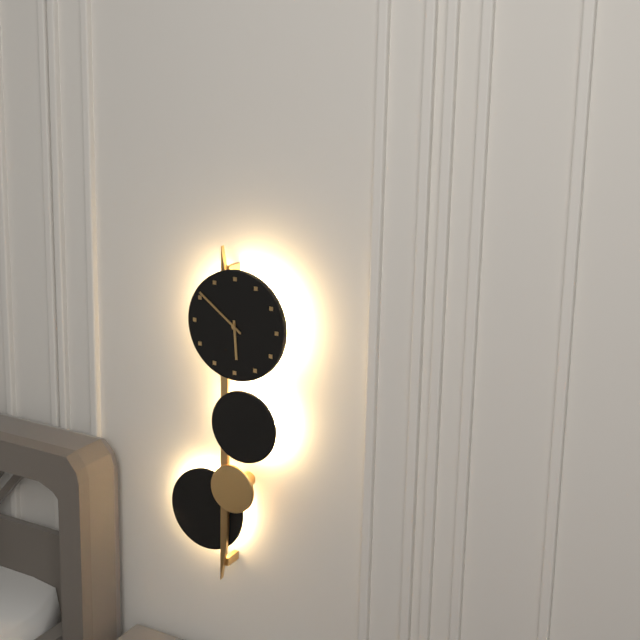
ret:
5:51
